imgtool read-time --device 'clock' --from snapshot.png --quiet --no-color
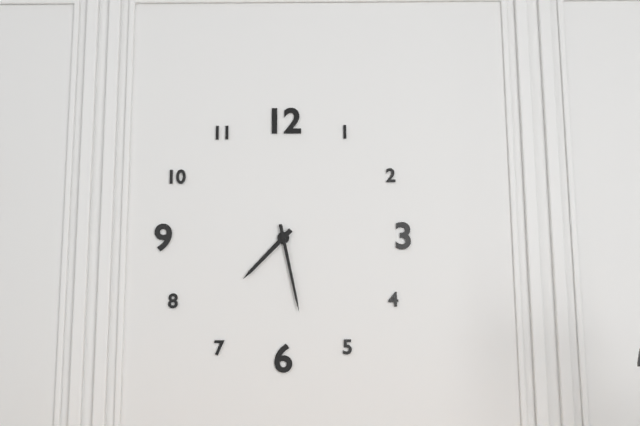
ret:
7:28
